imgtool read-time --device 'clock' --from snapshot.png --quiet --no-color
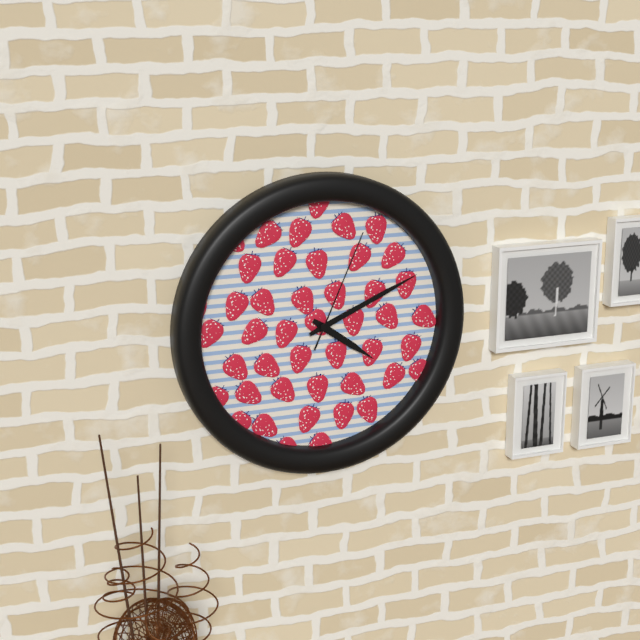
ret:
4:11:04
